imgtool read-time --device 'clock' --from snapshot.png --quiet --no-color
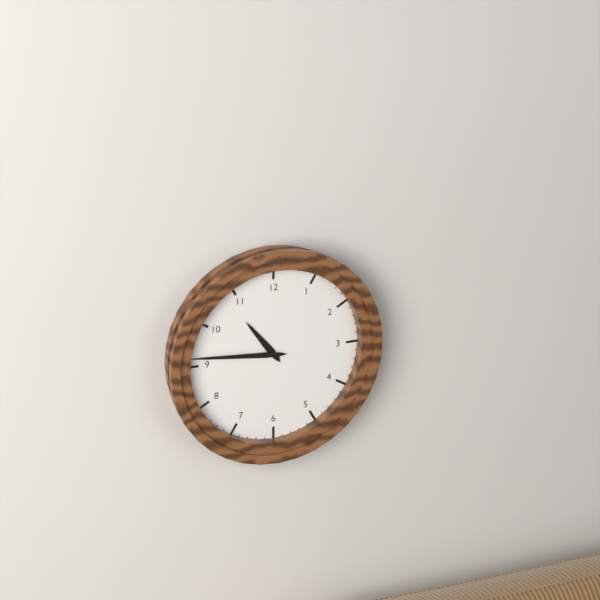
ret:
10:46
